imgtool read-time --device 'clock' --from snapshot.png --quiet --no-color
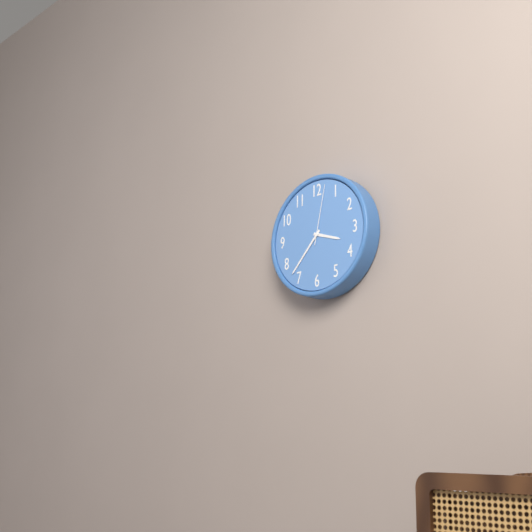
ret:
3:37:02
